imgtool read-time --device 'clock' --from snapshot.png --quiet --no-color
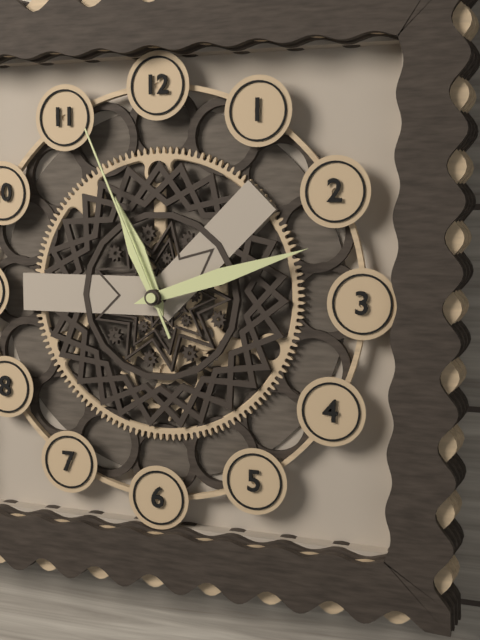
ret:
11:12:56
